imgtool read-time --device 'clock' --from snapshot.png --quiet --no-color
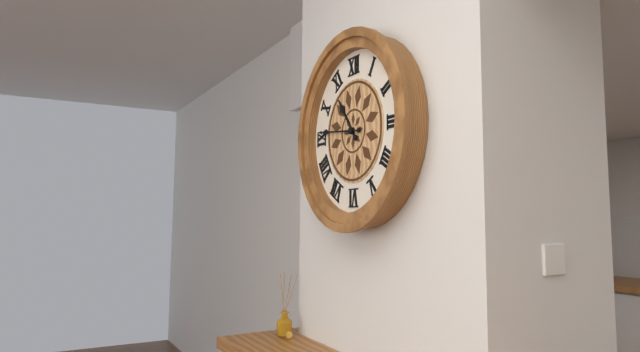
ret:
10:46
